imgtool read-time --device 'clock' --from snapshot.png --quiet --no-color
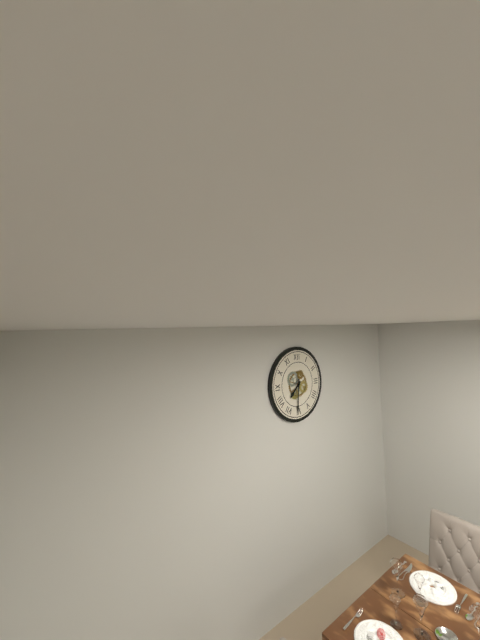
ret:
7:31
